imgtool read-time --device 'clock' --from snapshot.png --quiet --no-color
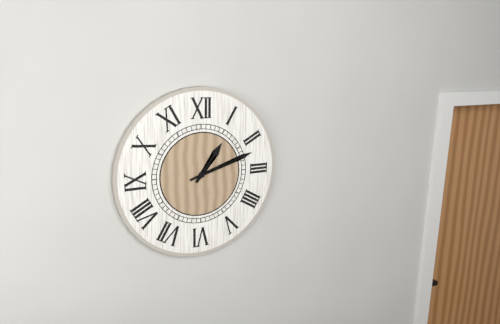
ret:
1:12
